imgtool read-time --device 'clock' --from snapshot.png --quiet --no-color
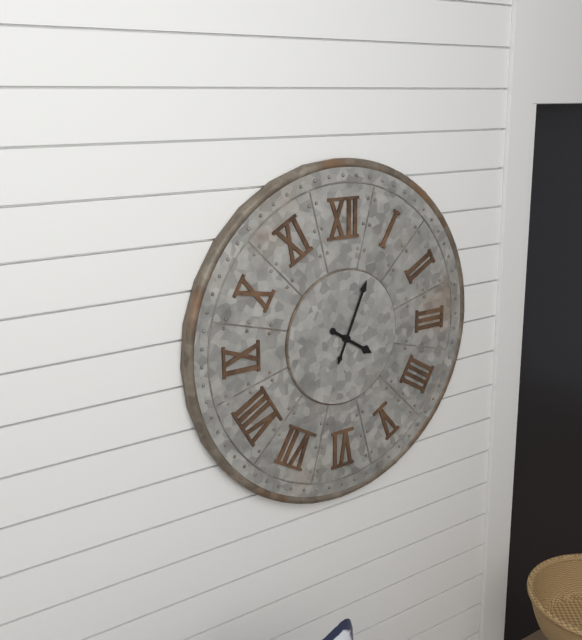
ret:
4:04
